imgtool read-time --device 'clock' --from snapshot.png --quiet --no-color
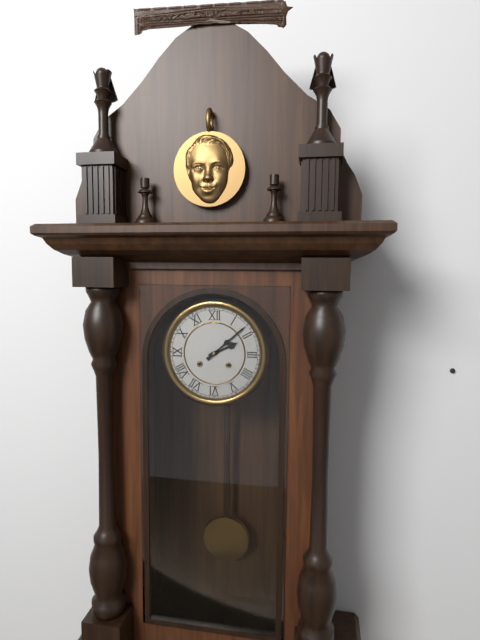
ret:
2:08
